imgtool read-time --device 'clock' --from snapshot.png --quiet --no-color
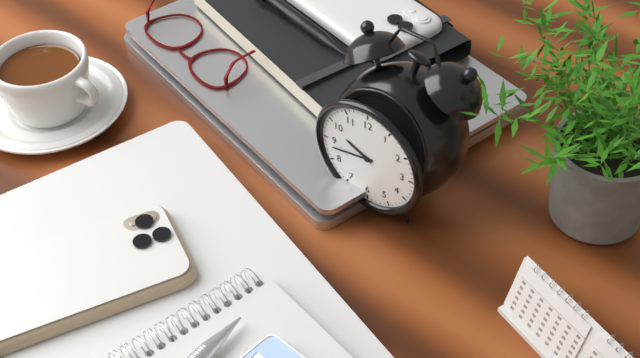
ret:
9:43
